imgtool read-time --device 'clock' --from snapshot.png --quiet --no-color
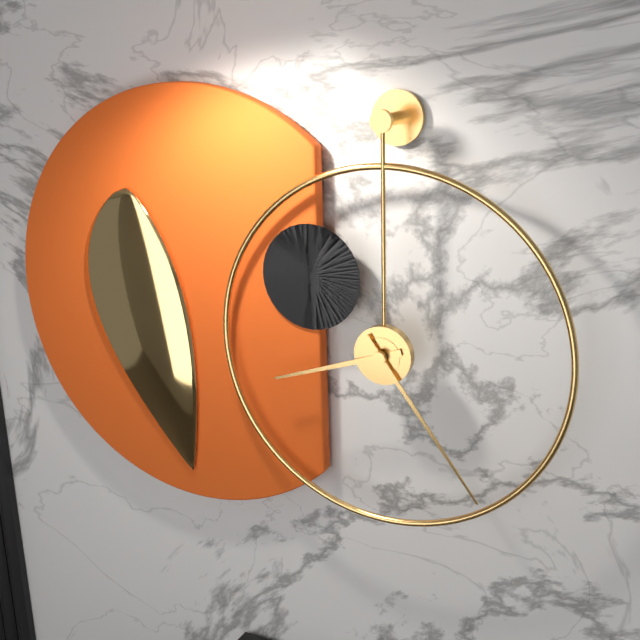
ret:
8:24
